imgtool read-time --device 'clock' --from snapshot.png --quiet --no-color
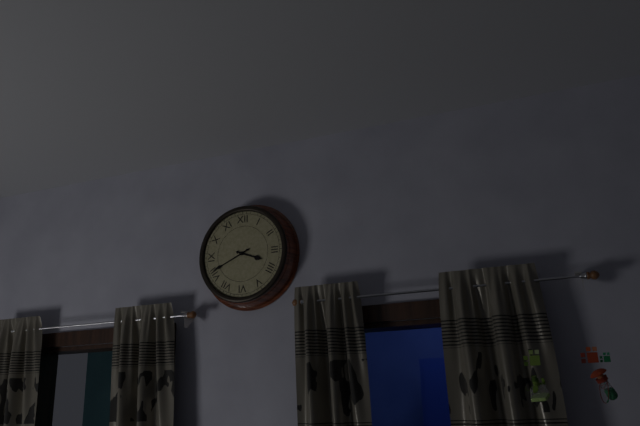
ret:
3:41
